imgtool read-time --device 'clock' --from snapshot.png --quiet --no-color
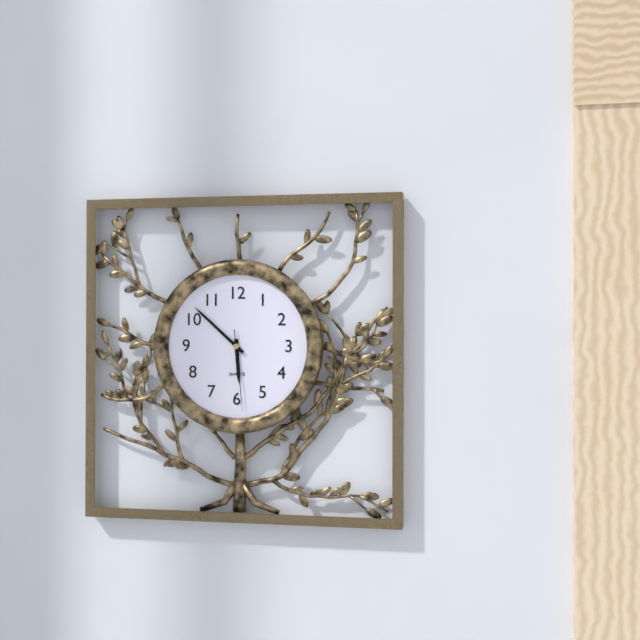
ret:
5:52:29
